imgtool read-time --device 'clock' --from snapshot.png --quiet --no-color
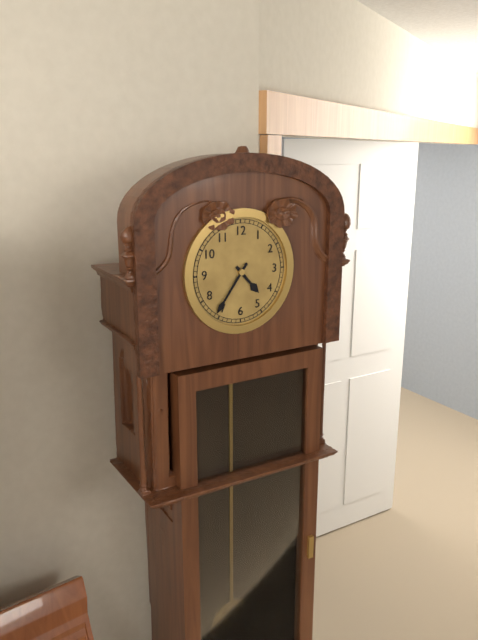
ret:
4:36
